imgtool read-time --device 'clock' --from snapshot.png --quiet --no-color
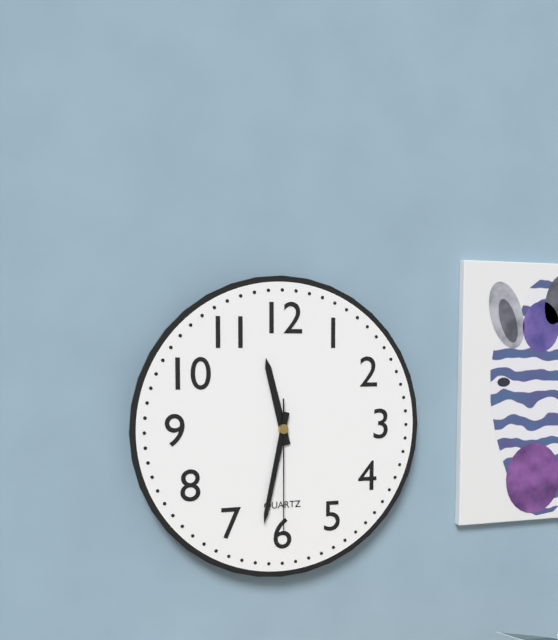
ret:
11:32:30
